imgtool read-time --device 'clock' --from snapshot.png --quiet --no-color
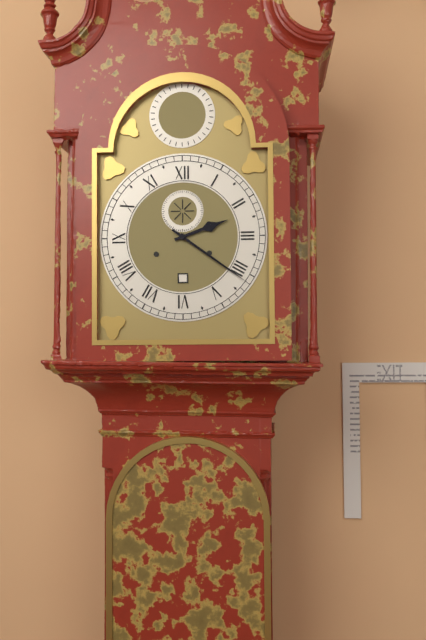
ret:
2:21
